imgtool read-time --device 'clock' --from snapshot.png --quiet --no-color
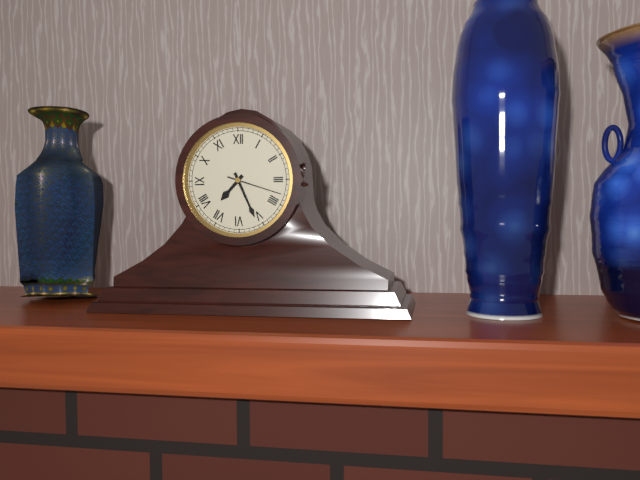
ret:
7:26:18
